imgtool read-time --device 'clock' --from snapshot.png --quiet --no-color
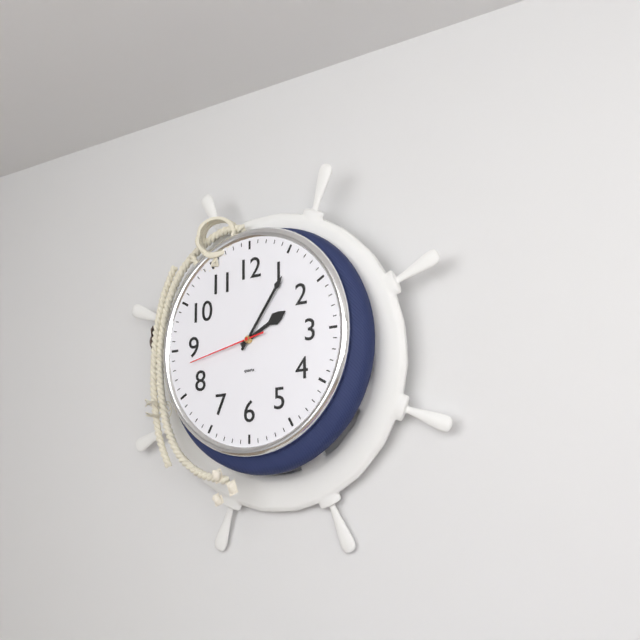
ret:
2:06:43
